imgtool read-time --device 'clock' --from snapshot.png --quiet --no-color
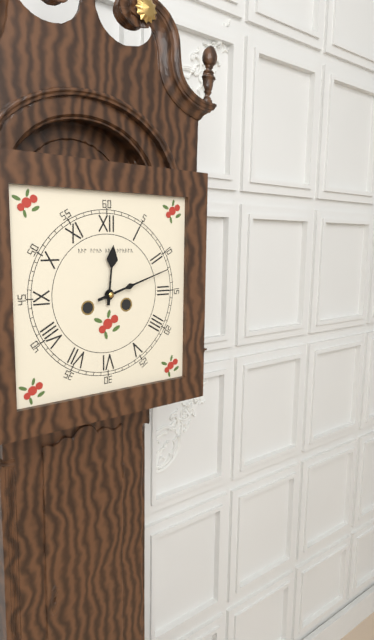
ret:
12:12
